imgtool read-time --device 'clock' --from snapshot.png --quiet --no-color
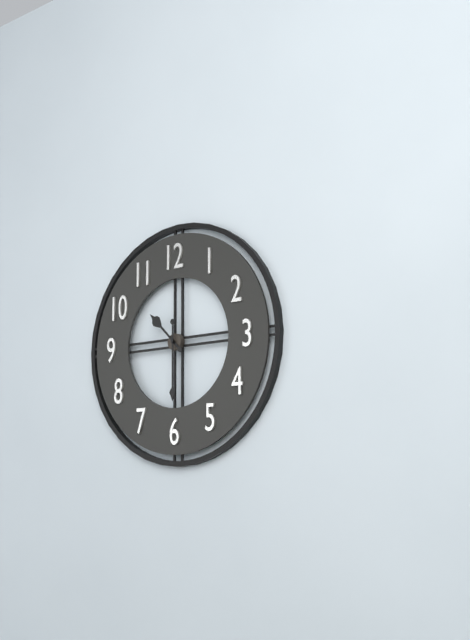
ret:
10:30
